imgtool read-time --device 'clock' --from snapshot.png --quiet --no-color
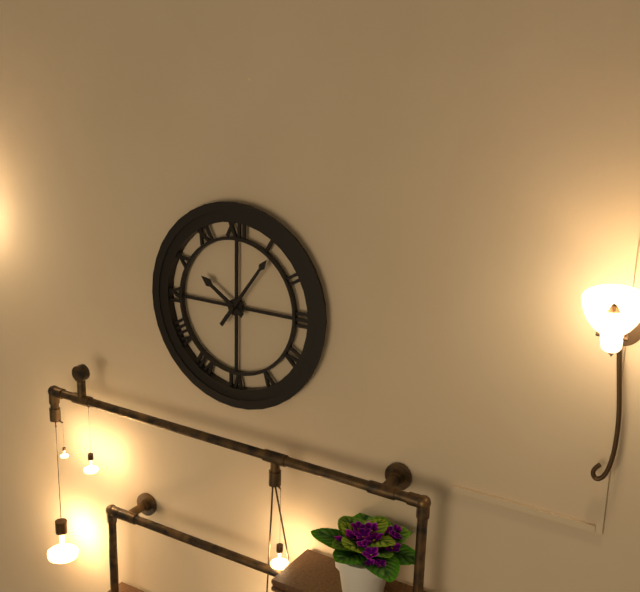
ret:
10:06
